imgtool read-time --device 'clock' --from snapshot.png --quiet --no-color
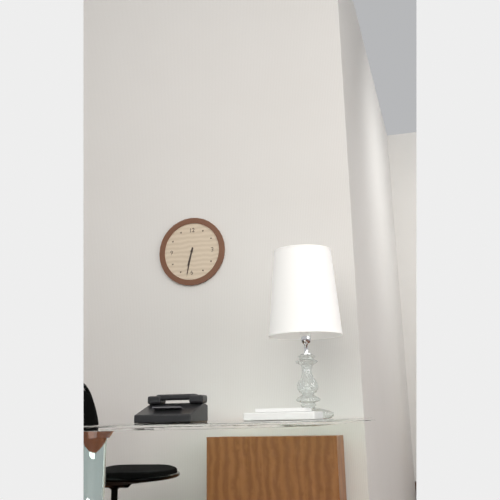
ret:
6:32
